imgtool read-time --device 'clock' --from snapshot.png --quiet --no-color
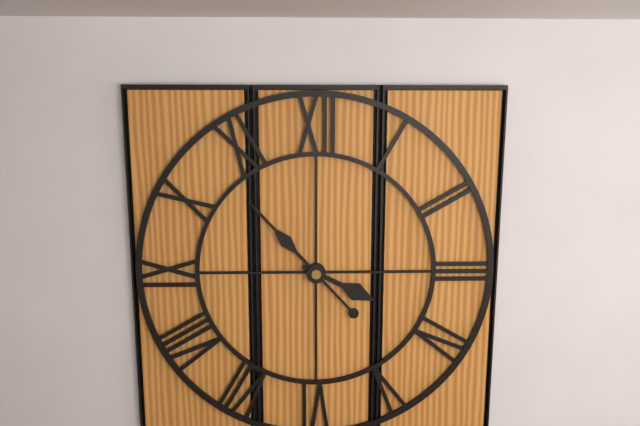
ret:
3:53
